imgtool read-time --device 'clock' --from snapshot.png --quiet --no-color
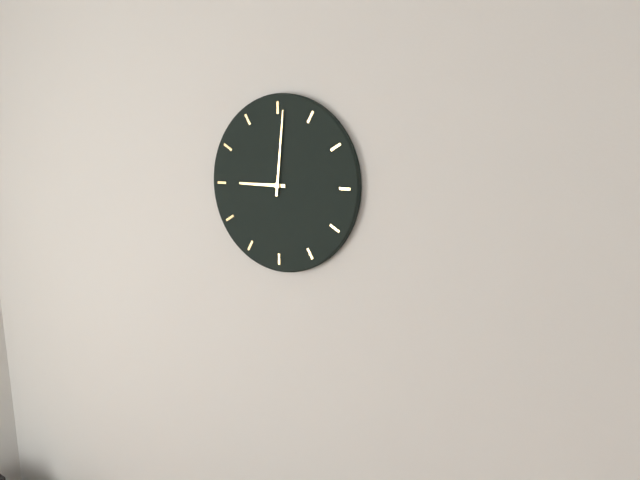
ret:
9:01
